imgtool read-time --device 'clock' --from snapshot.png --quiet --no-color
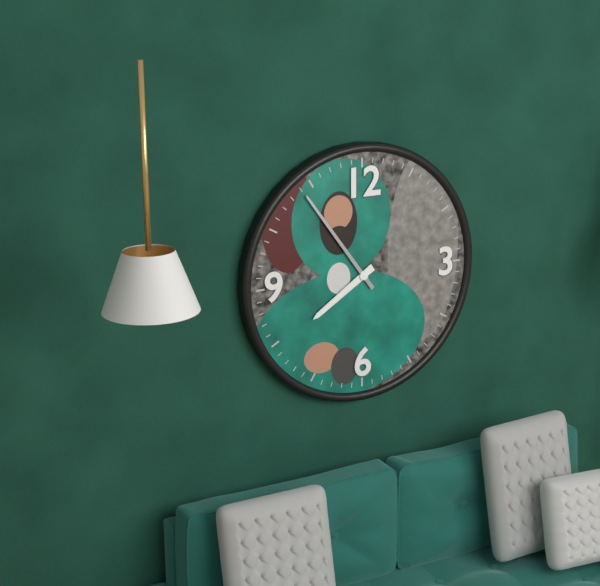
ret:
7:54
